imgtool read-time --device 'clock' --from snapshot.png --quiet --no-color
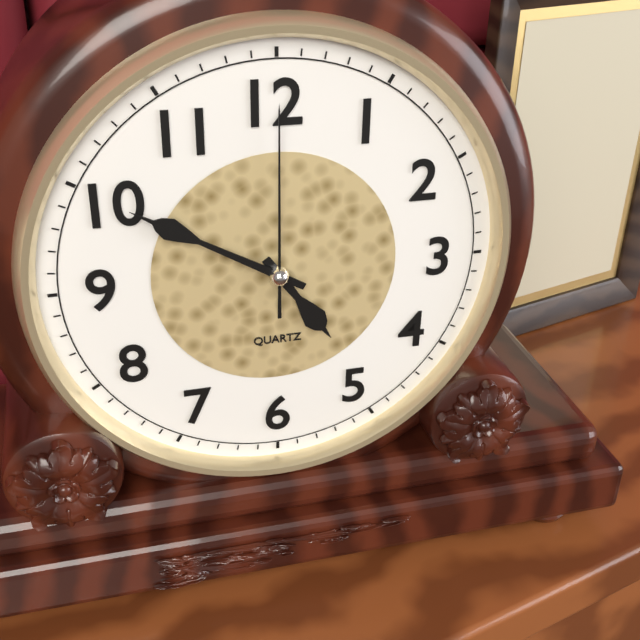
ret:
4:50:00
